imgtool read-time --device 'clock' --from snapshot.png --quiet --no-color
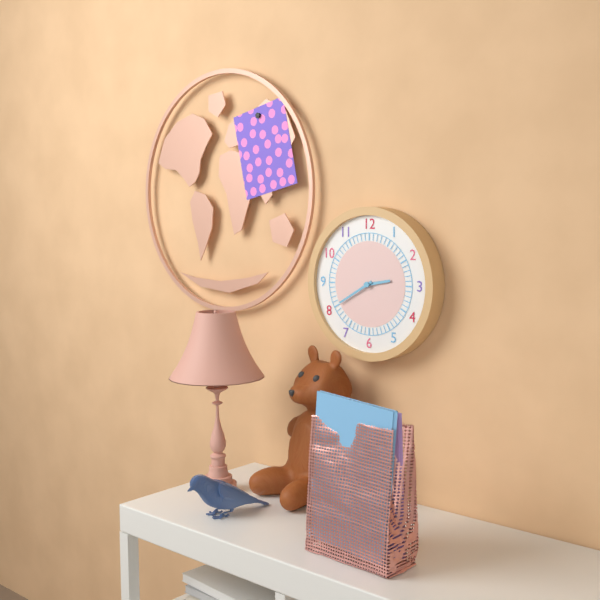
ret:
2:40
